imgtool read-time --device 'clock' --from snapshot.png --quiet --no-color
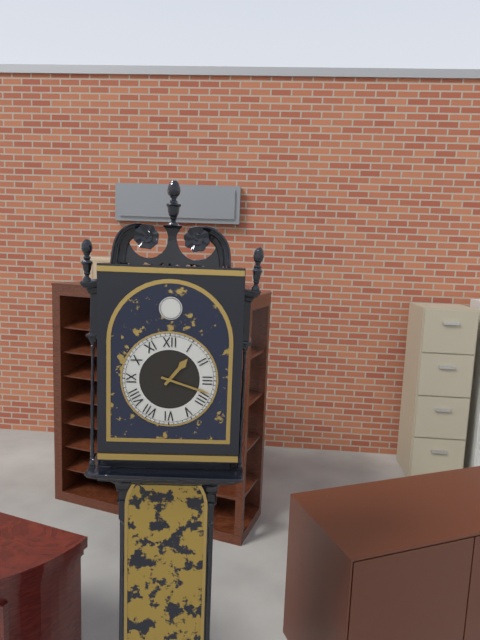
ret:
1:18
